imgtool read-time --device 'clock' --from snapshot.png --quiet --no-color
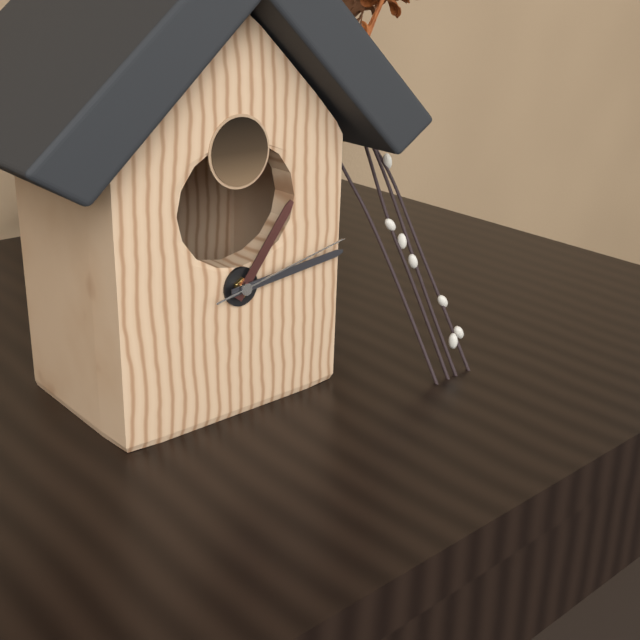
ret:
1:14:13
